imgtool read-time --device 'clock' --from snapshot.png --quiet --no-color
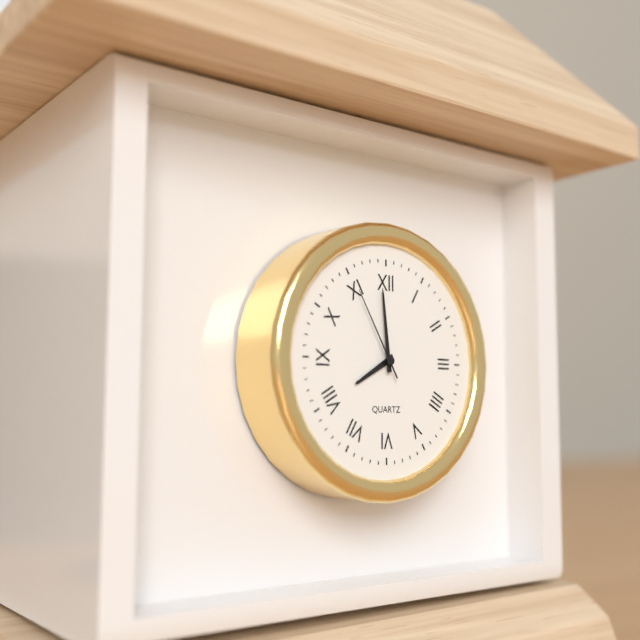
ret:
7:59:55
